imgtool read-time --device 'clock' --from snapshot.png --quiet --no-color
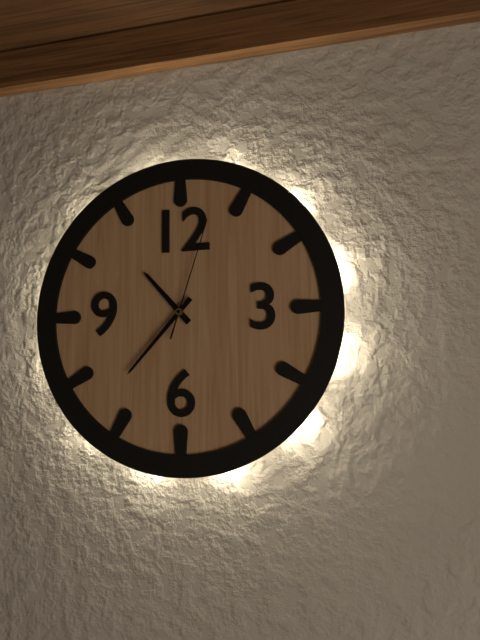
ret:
10:37:03
